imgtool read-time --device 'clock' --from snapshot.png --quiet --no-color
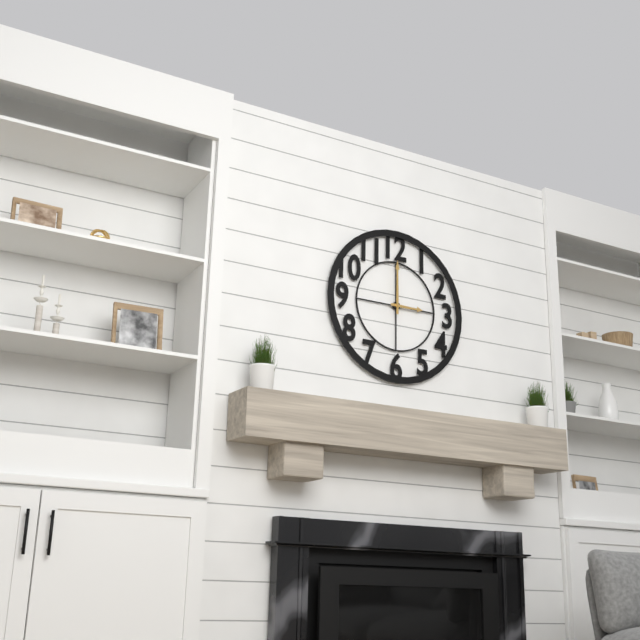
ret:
3:00
